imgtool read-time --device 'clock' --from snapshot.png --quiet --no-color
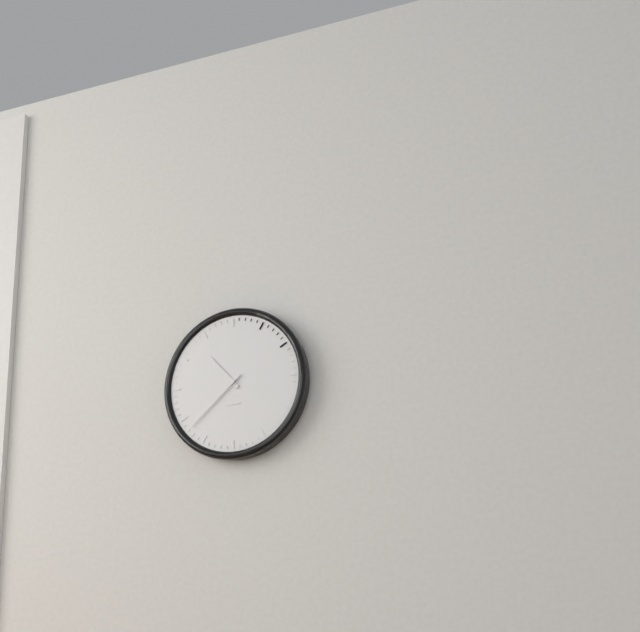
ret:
10:38
